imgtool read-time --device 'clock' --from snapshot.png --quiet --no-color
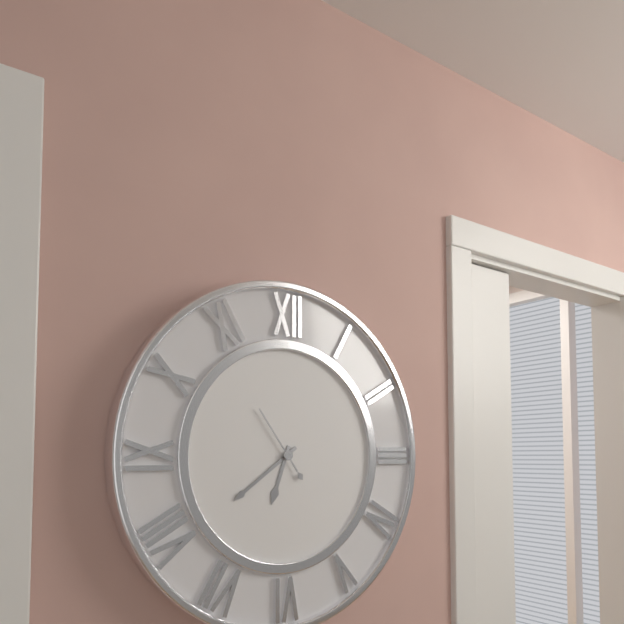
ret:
6:39:54
